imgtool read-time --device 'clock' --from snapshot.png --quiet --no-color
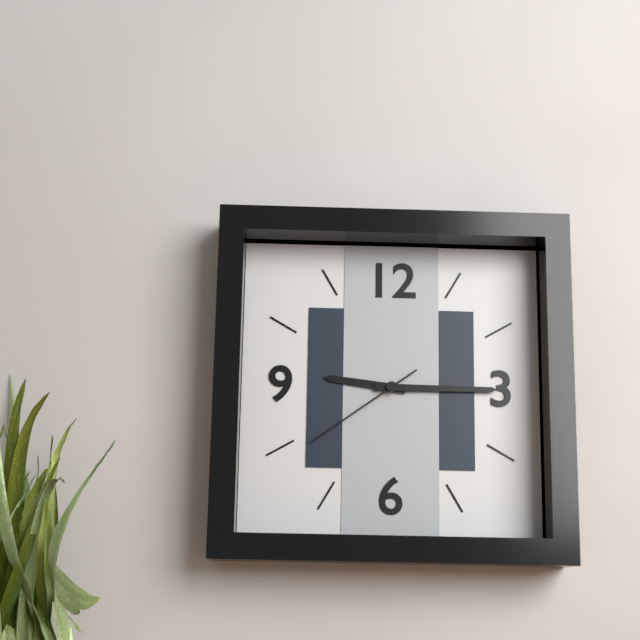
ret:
9:15:39
